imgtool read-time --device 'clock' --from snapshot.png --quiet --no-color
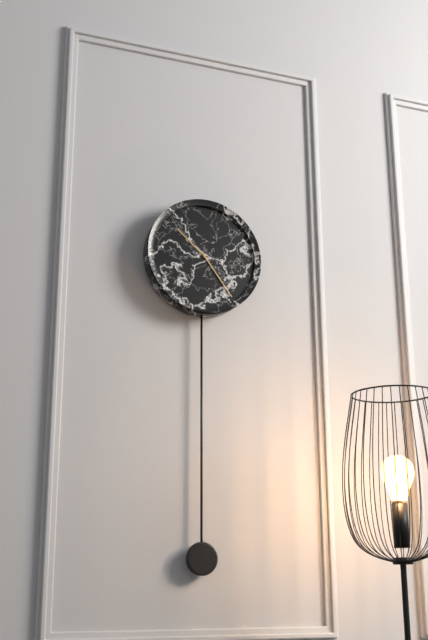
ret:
10:24
